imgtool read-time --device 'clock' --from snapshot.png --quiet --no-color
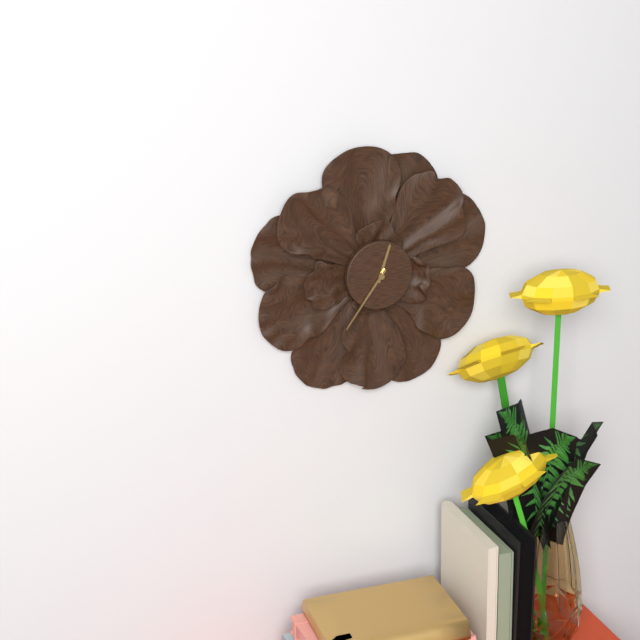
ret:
12:36
